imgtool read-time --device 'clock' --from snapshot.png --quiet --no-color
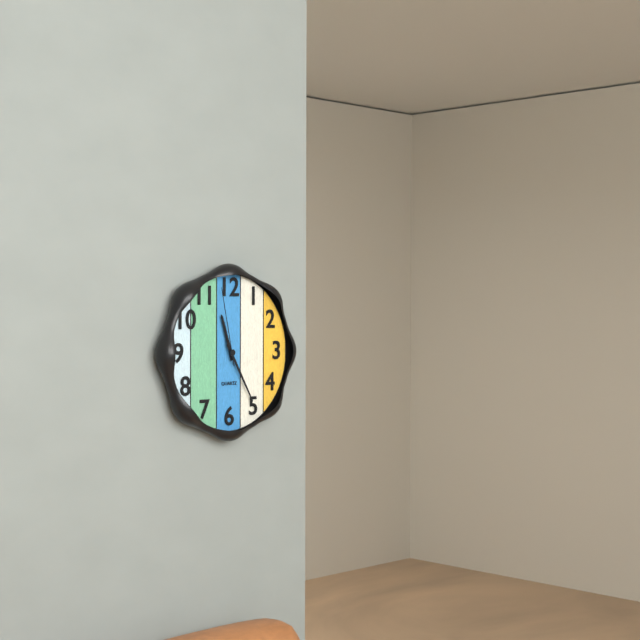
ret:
11:25:58
